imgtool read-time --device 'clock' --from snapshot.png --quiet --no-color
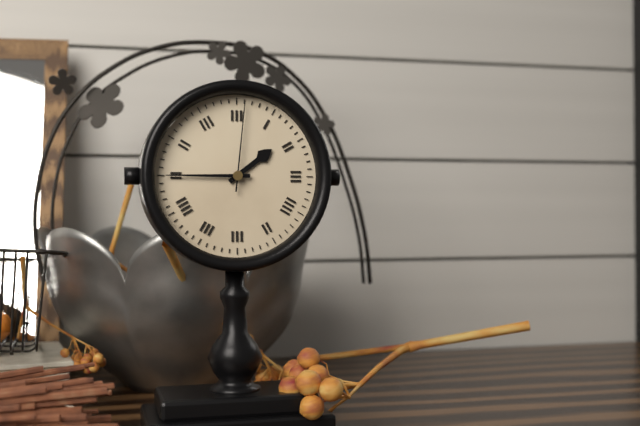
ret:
1:45:01
